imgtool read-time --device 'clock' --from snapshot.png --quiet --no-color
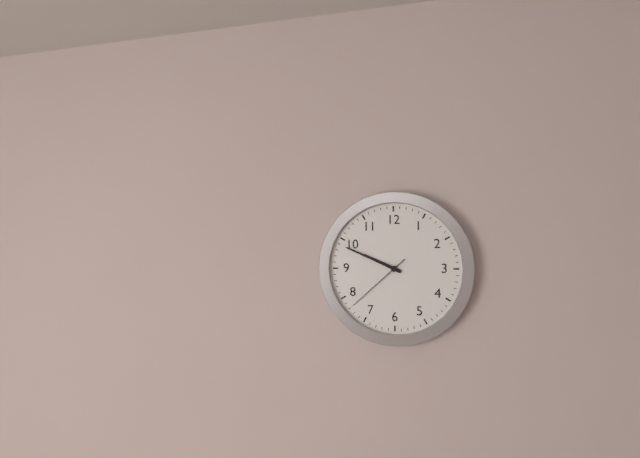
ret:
9:49:38
